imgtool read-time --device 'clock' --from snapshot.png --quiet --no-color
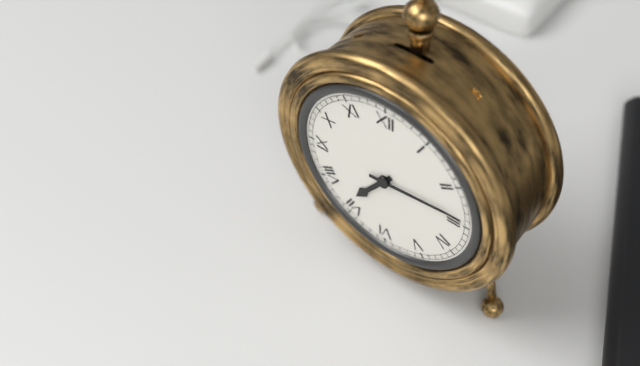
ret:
7:14
